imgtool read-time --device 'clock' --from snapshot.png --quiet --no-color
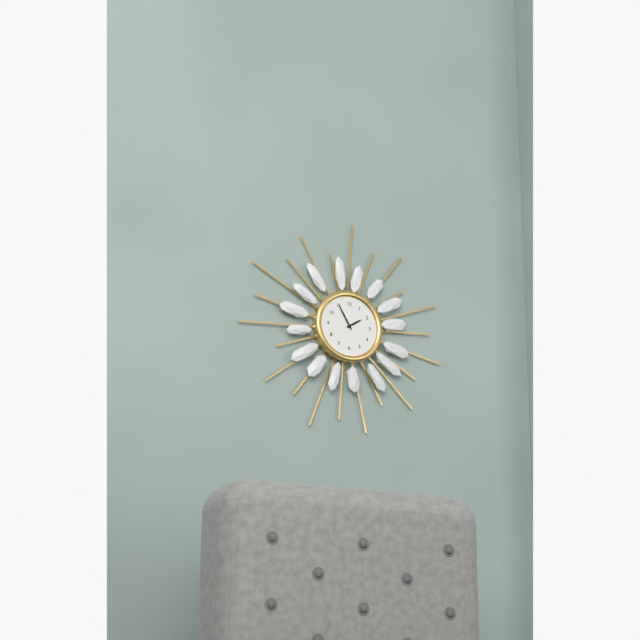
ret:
1:55
